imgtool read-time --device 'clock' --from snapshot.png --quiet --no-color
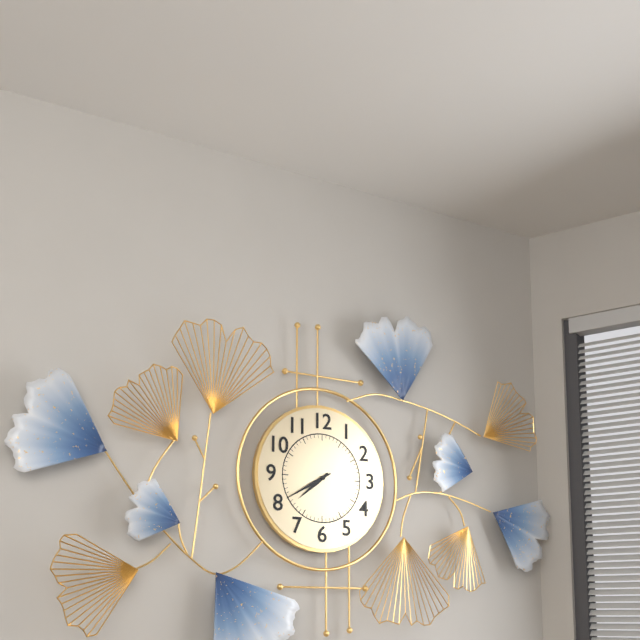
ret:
7:40
